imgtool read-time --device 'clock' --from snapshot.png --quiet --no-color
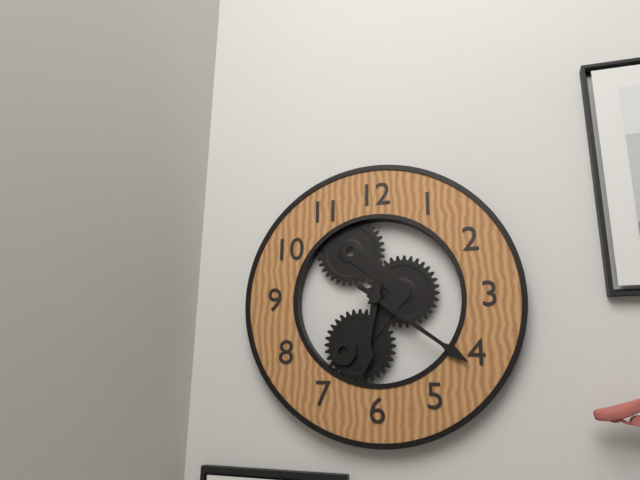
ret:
6:21
